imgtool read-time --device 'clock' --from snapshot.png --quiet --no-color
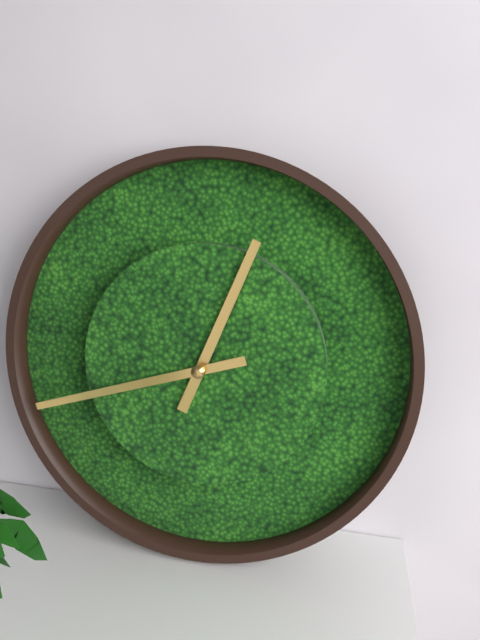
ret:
12:42
